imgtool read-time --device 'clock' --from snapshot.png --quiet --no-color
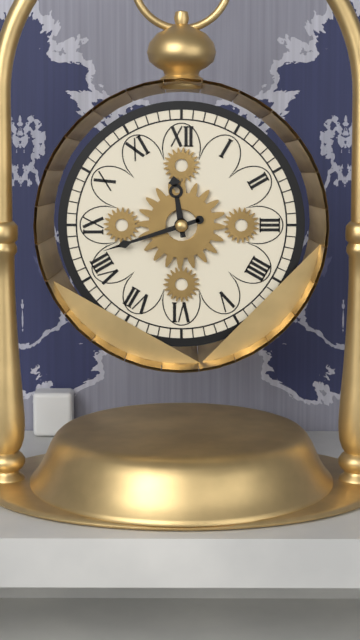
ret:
11:42
